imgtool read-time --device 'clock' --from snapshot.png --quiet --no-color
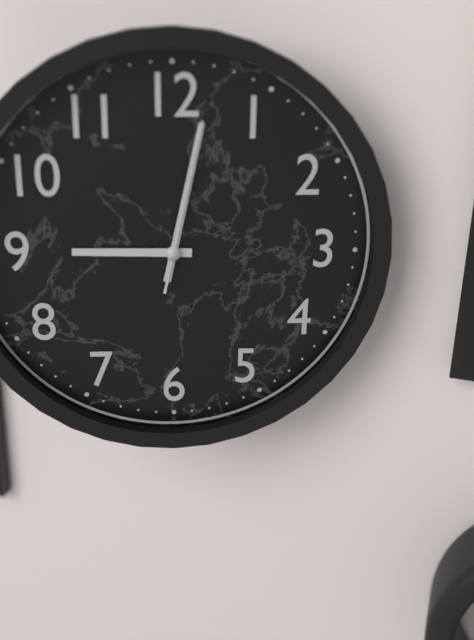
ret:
9:02:02
